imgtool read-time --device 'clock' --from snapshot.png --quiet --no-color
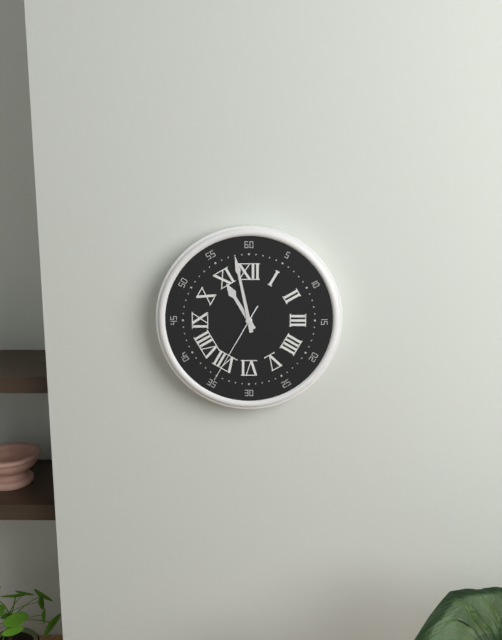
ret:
10:58:35
